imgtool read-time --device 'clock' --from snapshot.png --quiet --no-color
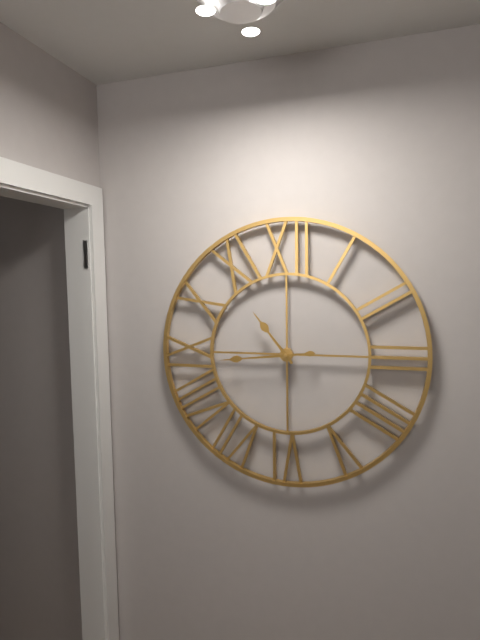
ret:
10:44
